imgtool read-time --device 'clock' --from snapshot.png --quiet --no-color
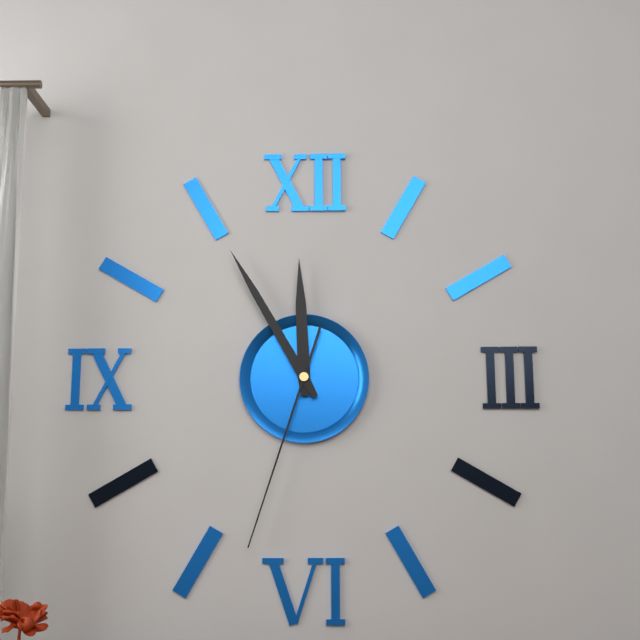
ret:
11:55:33
